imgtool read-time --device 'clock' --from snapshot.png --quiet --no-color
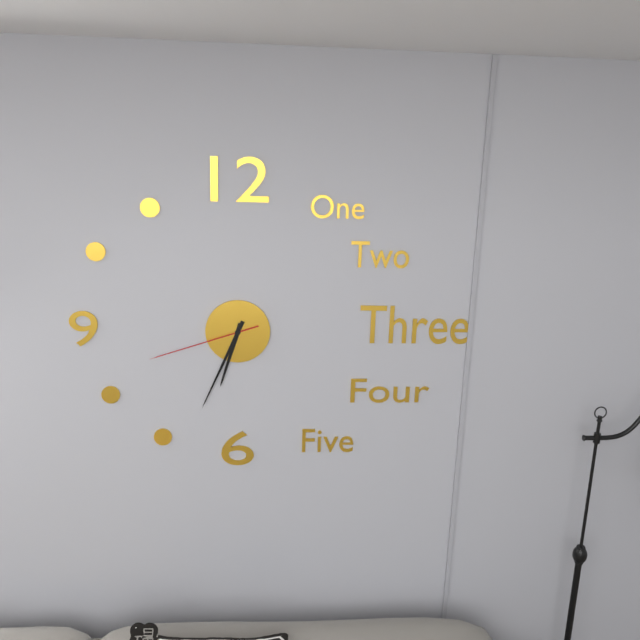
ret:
6:34:42
